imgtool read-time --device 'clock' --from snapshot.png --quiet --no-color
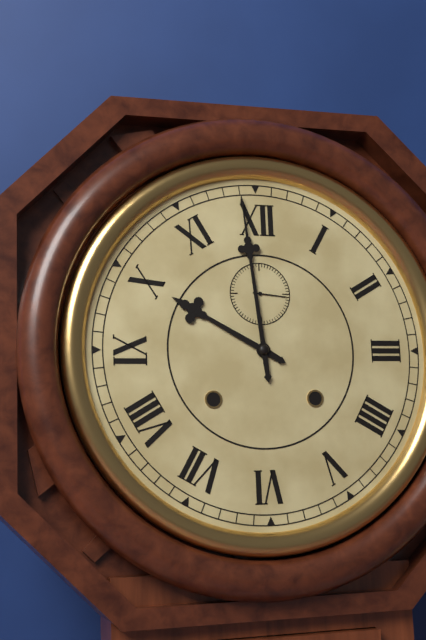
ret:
9:59
